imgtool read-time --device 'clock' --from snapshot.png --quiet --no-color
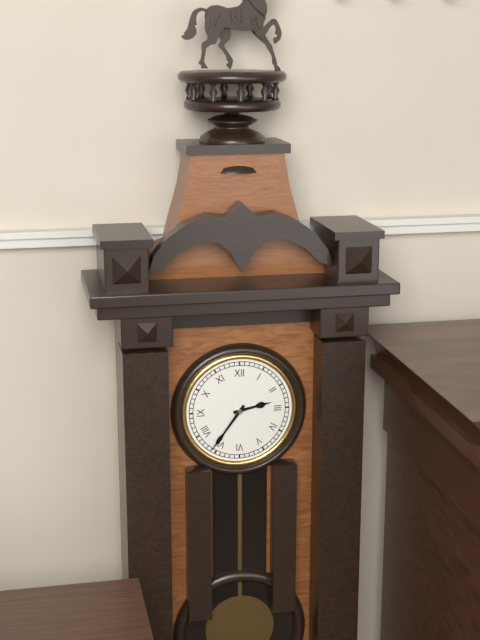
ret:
2:36
